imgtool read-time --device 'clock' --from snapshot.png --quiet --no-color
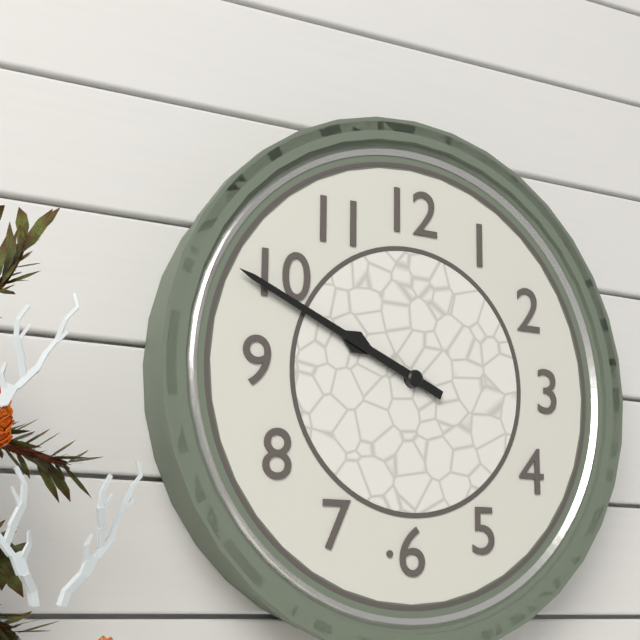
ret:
9:49
